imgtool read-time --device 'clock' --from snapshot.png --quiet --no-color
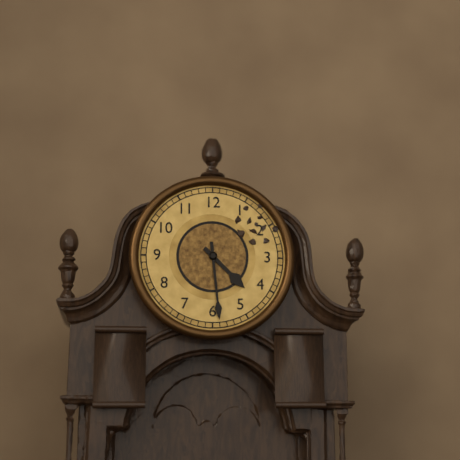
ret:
4:29
